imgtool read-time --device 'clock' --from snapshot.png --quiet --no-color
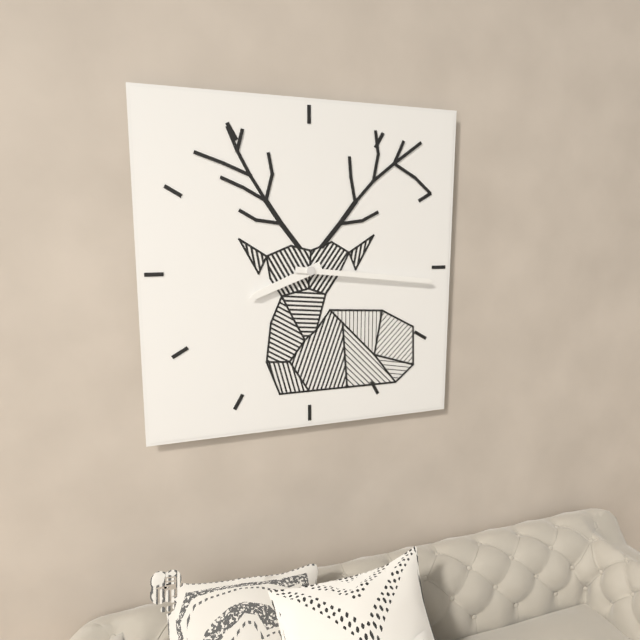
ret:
8:16
